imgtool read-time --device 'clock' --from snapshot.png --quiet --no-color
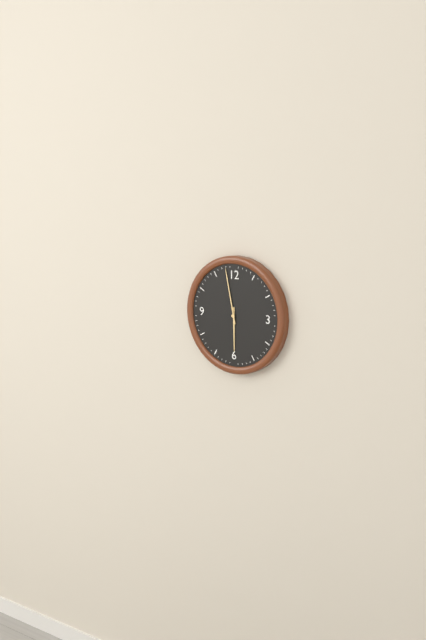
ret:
5:58
